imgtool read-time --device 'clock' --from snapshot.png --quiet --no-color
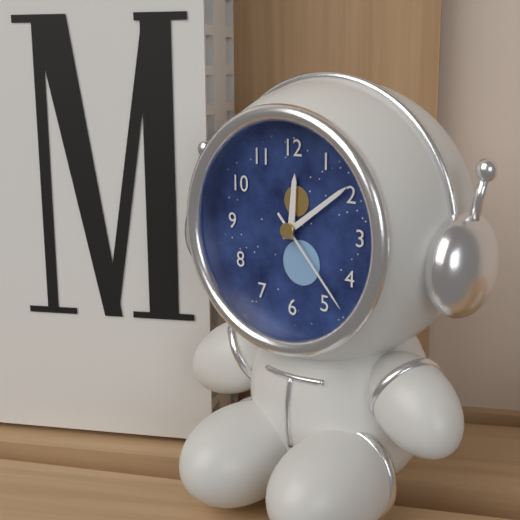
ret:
12:09:23
